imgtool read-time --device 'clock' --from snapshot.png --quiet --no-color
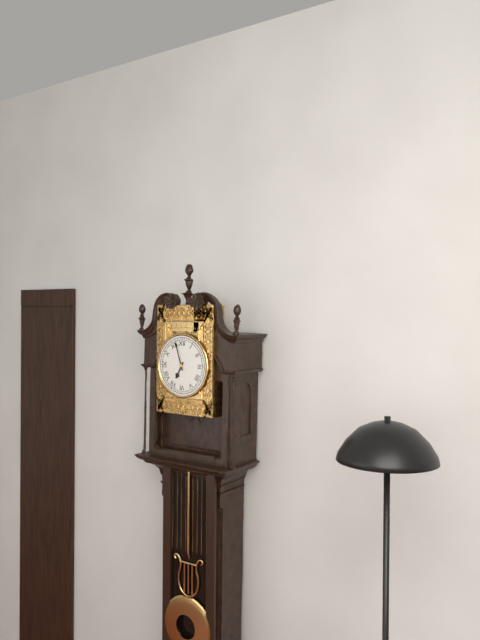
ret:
6:57
